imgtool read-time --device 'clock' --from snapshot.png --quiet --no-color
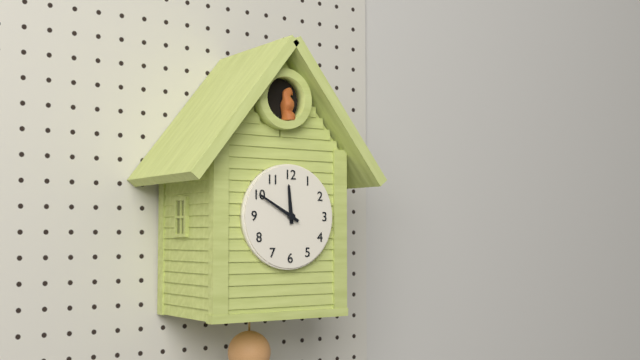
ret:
11:50
